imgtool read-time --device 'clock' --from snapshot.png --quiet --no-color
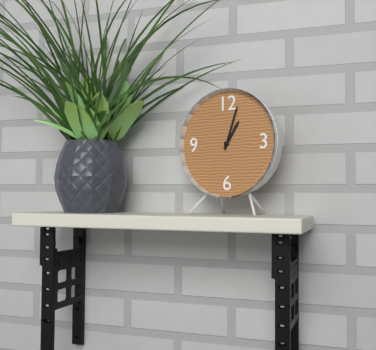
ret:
1:03
